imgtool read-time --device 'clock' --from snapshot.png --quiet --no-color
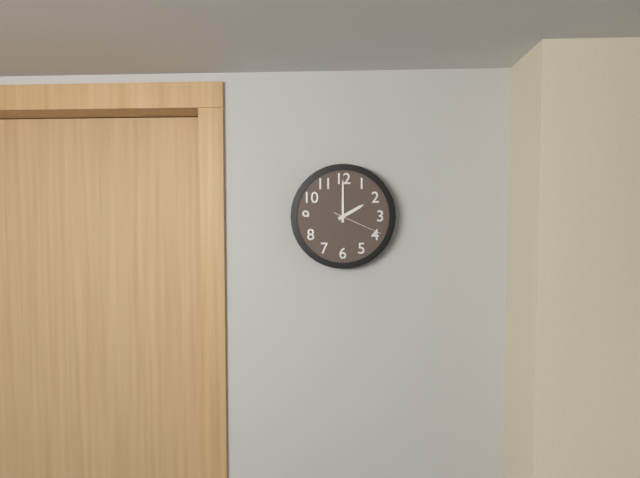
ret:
2:00:19
